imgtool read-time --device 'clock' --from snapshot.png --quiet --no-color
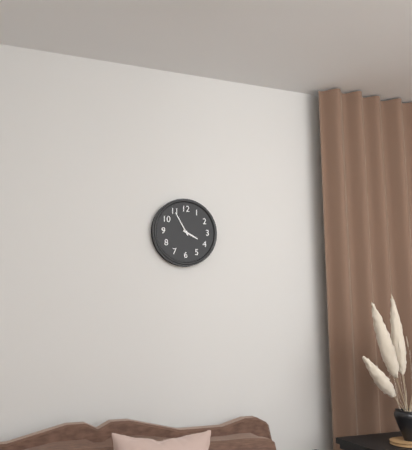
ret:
3:55
